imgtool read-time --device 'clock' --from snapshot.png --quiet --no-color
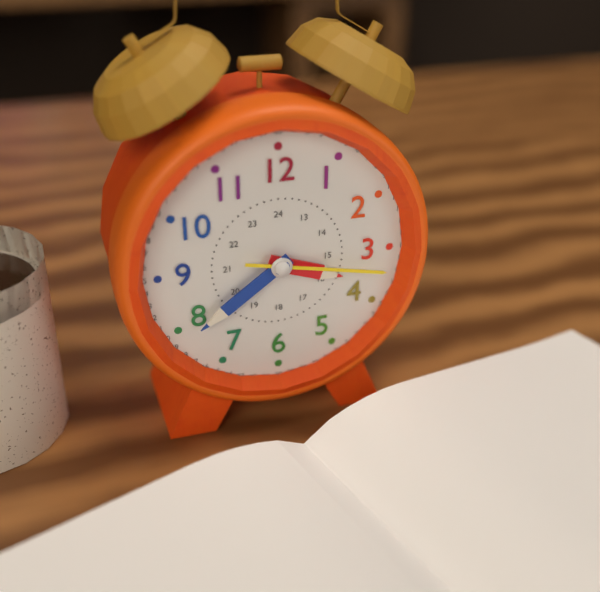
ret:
3:39:17
